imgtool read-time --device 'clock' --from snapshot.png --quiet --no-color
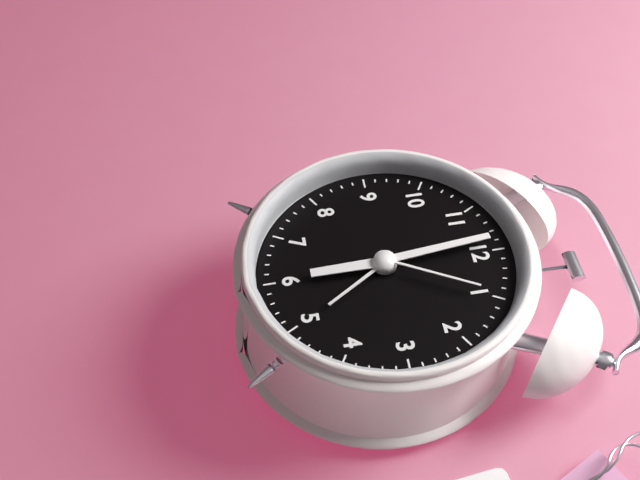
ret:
5:59:05
